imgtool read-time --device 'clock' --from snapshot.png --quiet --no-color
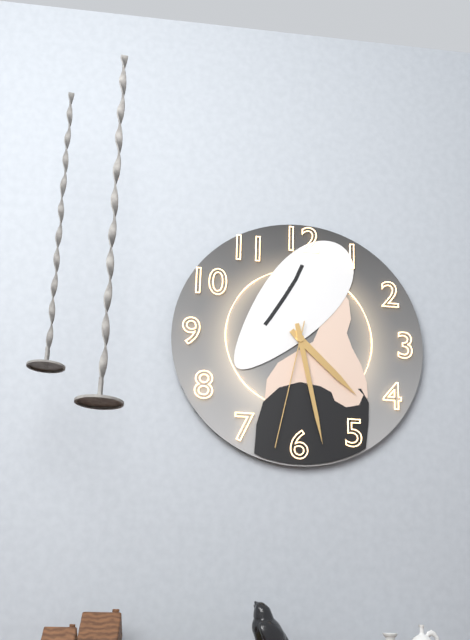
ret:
4:28:32
